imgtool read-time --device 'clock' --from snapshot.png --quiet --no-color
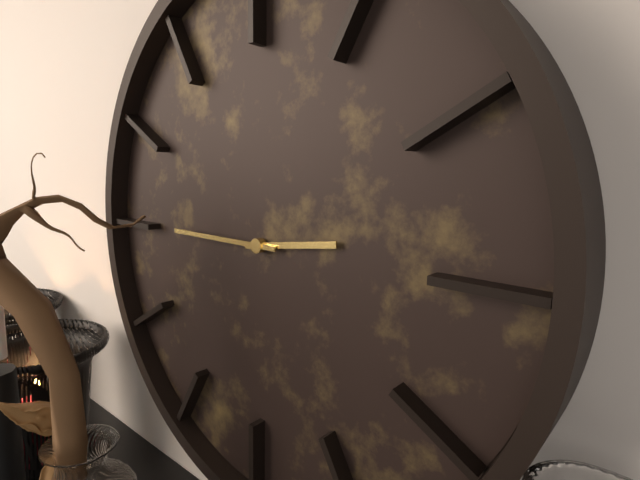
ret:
2:45
